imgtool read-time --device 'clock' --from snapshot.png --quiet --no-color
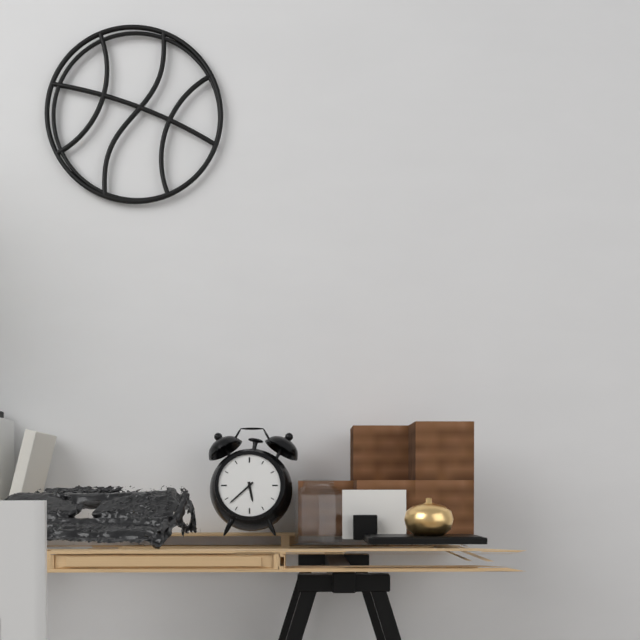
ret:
5:38
